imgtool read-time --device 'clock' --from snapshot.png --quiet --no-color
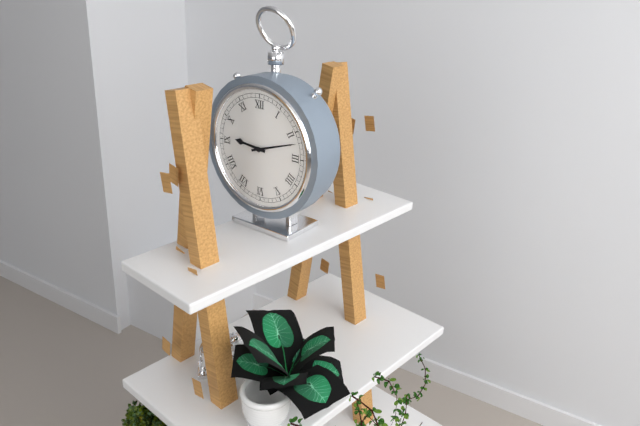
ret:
9:12
